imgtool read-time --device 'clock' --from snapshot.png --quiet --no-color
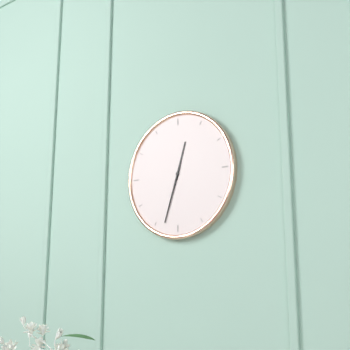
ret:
12:33
